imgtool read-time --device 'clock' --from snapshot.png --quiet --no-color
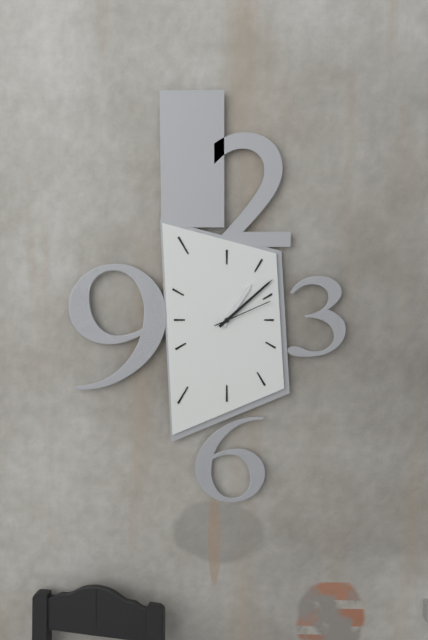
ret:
1:08:11
